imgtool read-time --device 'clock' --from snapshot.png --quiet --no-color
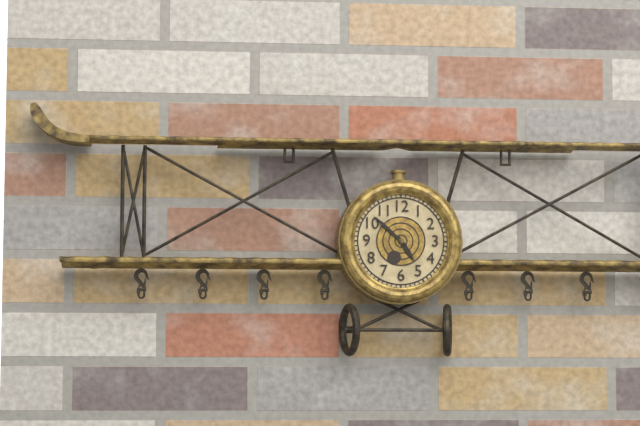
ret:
4:52
